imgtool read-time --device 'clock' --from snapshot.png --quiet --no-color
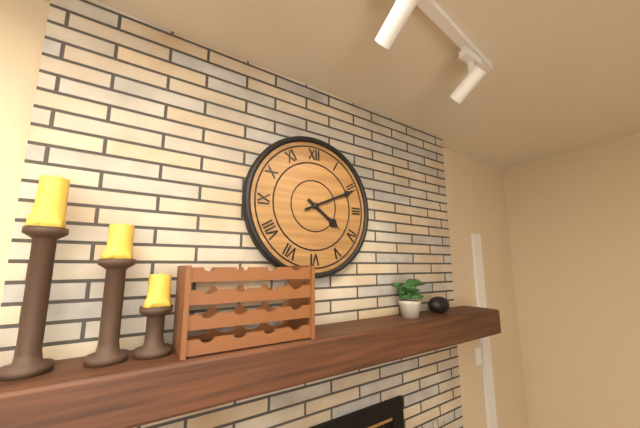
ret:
4:11
